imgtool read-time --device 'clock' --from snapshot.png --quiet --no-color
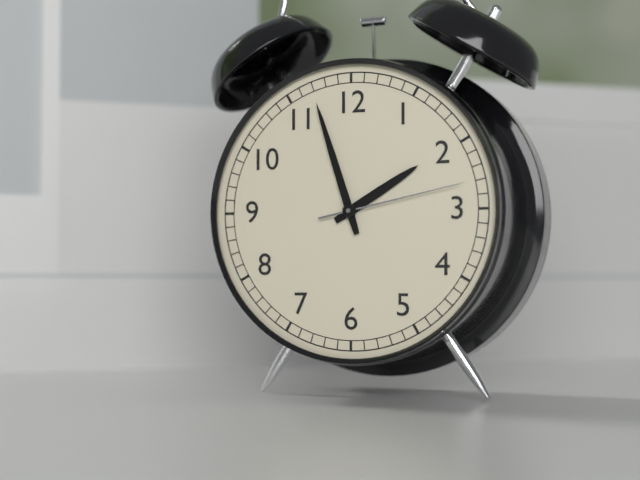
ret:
1:57:13
